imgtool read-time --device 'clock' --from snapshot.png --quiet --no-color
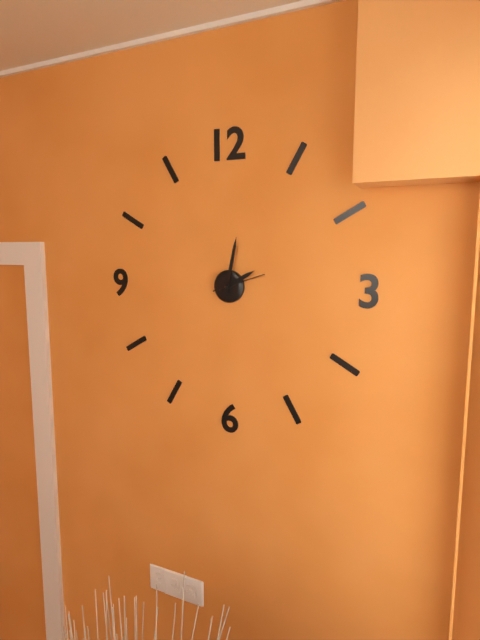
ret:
2:02
